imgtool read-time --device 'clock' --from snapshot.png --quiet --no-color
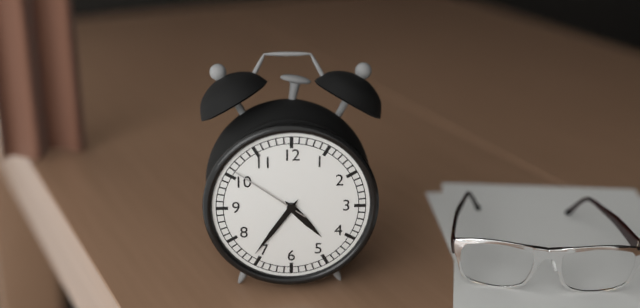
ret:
4:36:51
